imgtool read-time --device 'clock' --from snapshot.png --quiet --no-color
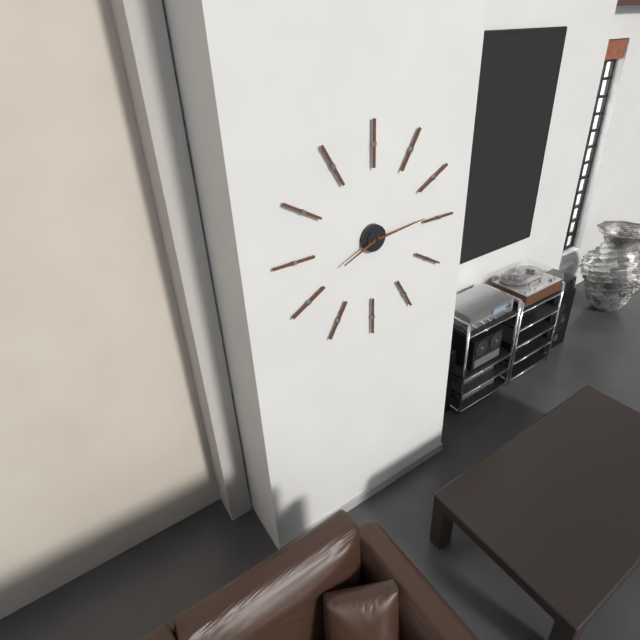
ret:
8:14
